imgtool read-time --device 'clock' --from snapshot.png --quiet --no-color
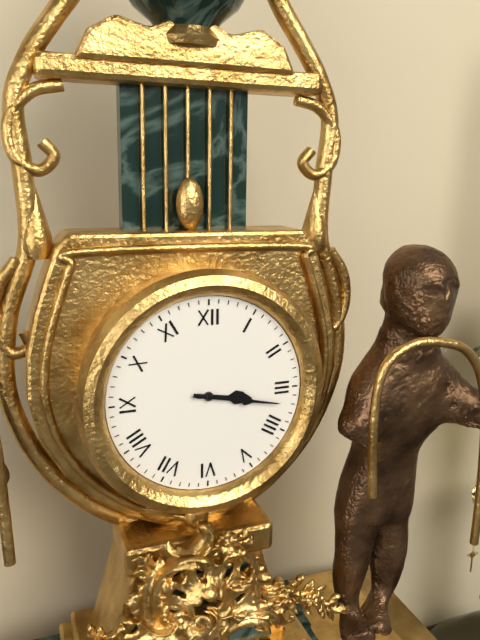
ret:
3:17
